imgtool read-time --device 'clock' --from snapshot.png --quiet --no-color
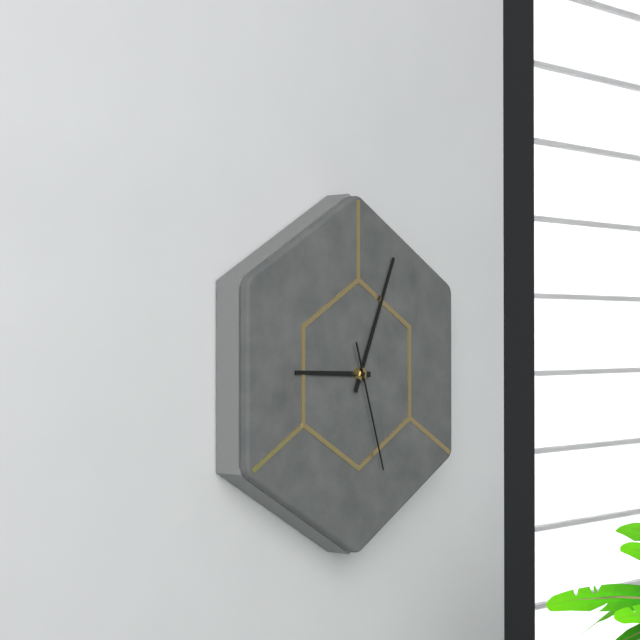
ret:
9:04:27
